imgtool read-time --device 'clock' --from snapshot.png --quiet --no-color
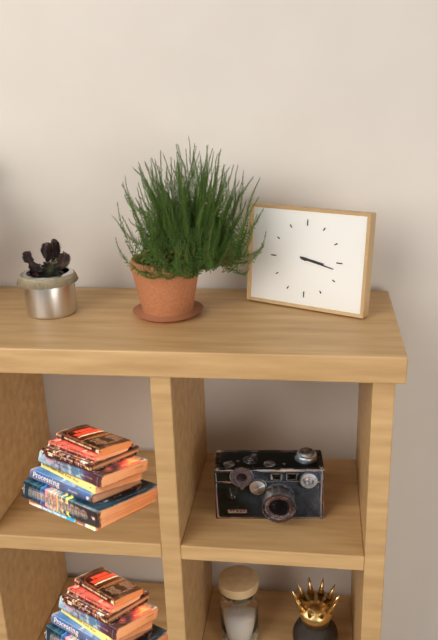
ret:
3:17
